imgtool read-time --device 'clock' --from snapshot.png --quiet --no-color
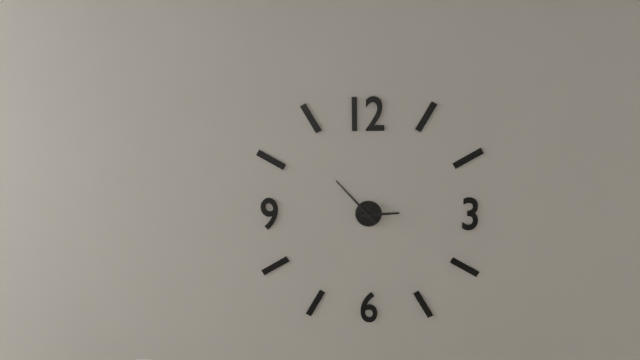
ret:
2:53
